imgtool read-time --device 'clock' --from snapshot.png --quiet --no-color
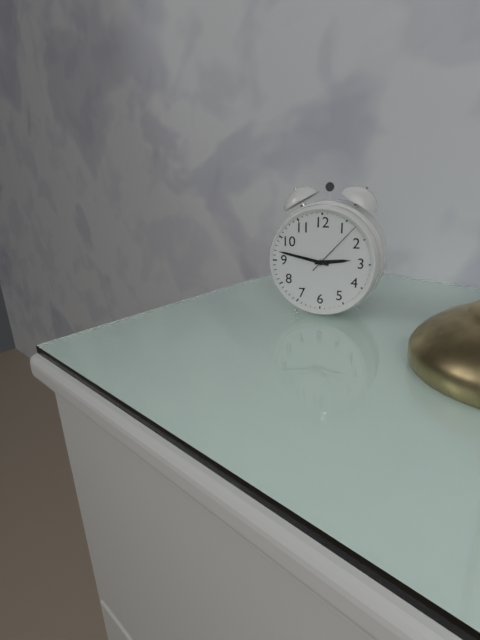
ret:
2:47:07
